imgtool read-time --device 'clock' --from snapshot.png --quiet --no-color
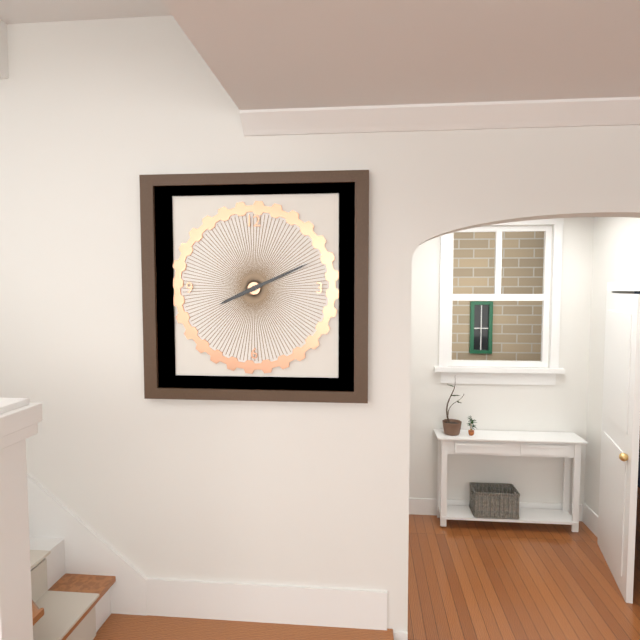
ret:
8:11
